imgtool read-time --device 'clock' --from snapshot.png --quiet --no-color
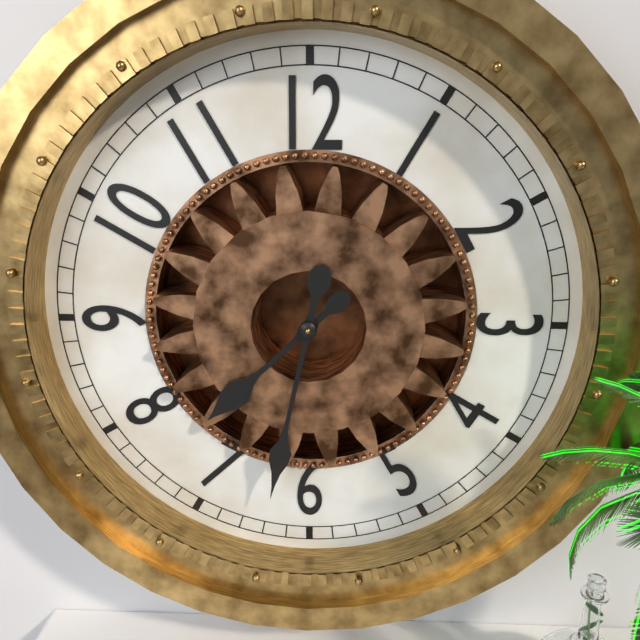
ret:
7:32
